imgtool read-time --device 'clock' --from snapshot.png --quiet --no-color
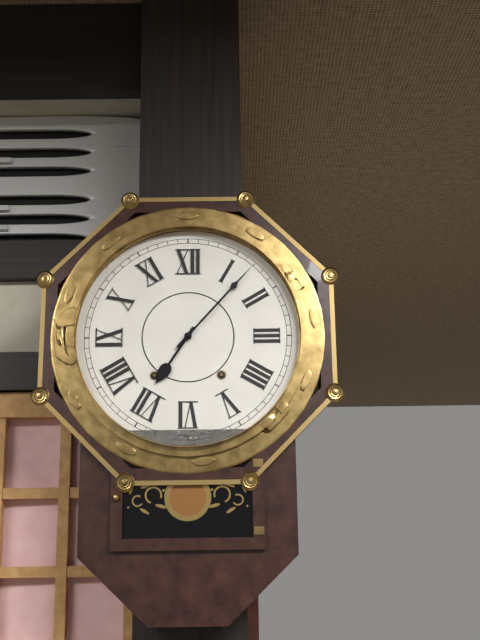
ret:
7:07
